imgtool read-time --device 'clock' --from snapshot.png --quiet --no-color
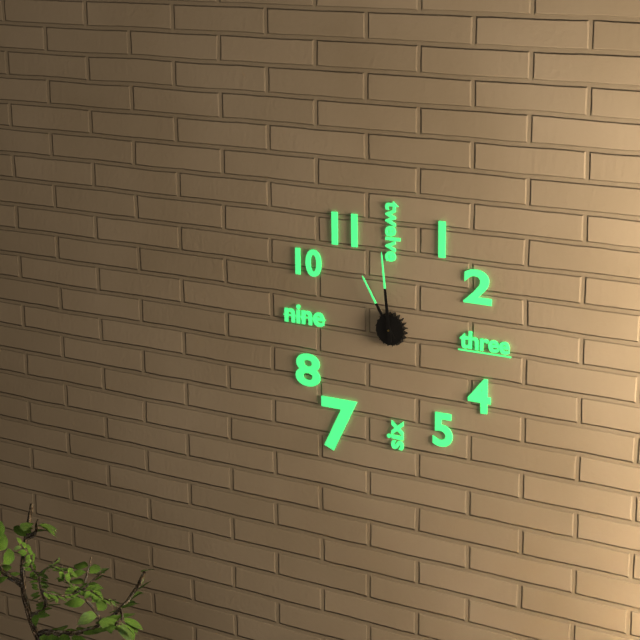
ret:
10:59
